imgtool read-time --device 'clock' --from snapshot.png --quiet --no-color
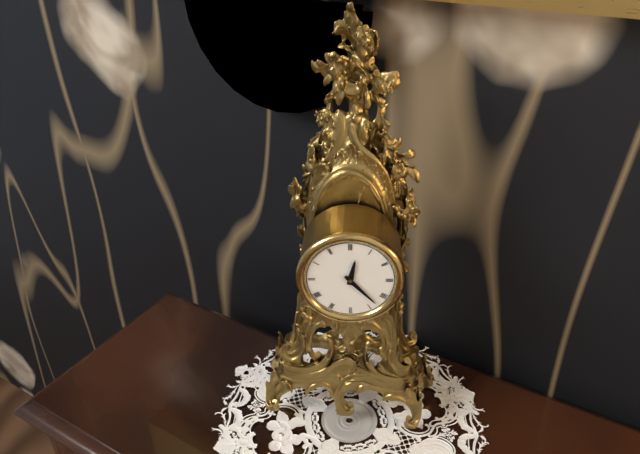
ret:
12:23
